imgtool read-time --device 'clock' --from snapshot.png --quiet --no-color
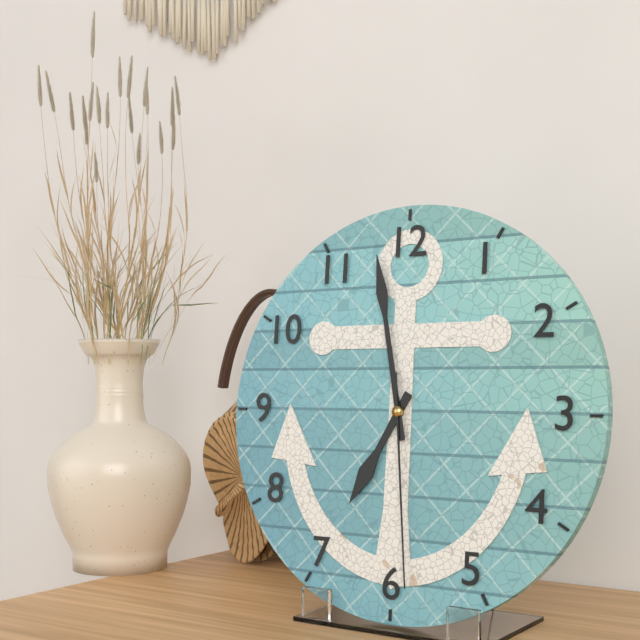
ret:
6:58:29
